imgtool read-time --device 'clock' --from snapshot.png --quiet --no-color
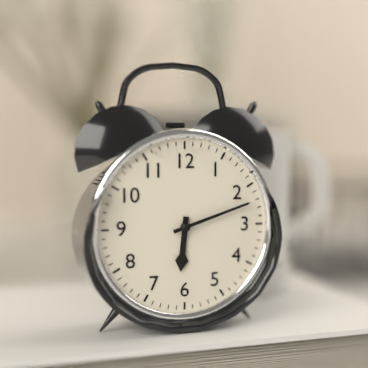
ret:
6:12
